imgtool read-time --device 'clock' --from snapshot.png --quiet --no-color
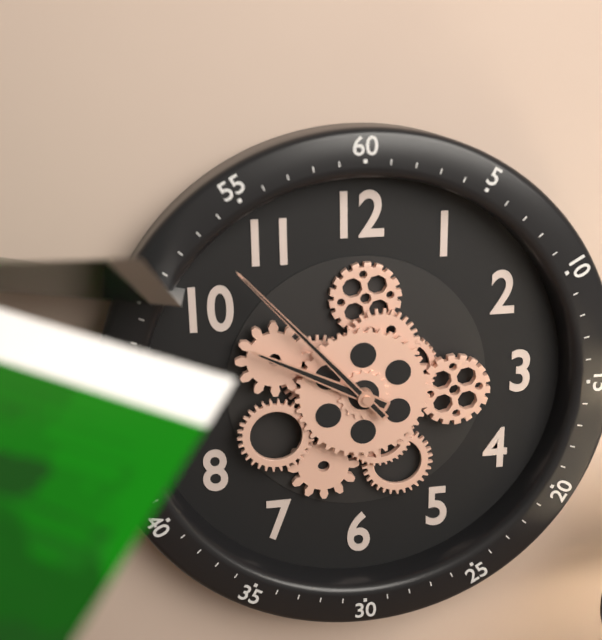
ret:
9:53
